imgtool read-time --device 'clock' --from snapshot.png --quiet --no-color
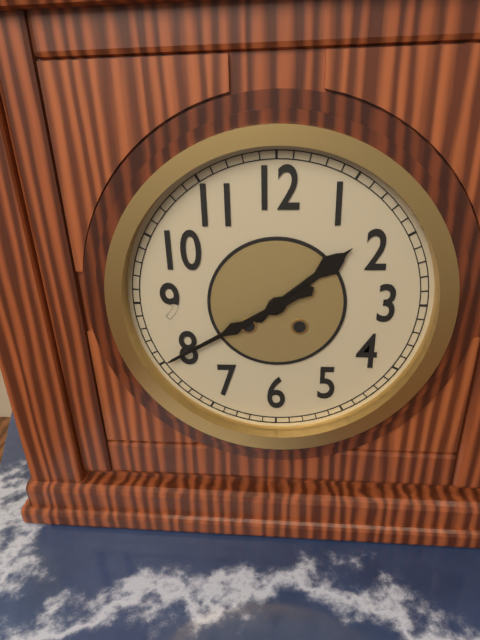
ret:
1:40
